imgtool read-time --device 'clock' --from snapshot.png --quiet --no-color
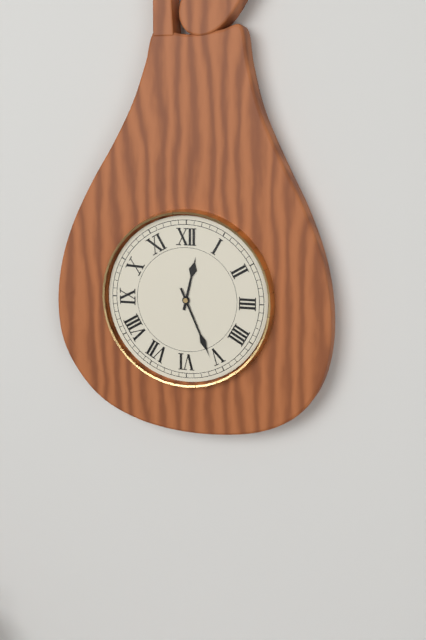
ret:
12:26
